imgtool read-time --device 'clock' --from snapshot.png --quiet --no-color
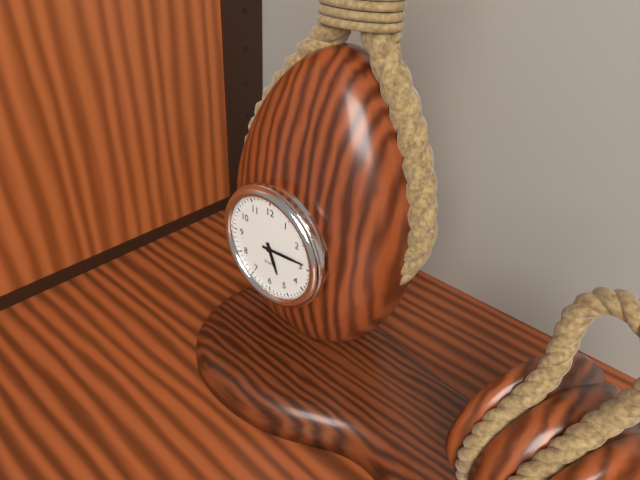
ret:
5:14
